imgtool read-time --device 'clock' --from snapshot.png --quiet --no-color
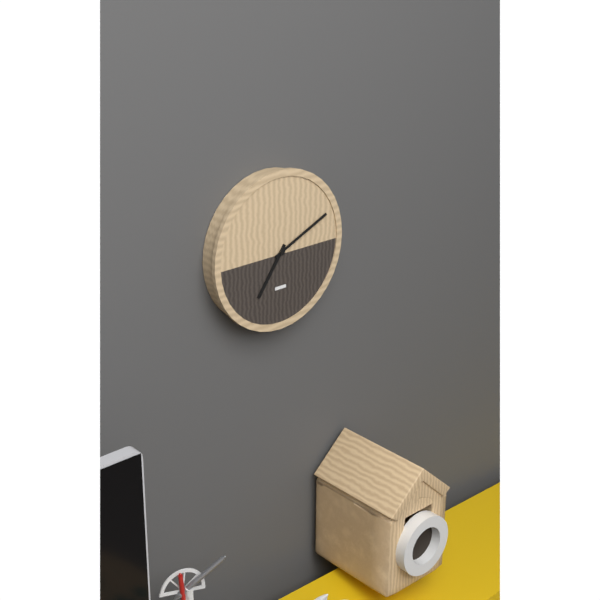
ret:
7:11
